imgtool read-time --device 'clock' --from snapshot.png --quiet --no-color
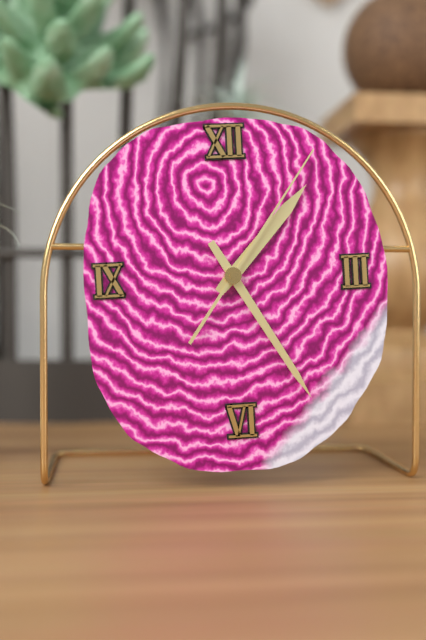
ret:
1:25:06
